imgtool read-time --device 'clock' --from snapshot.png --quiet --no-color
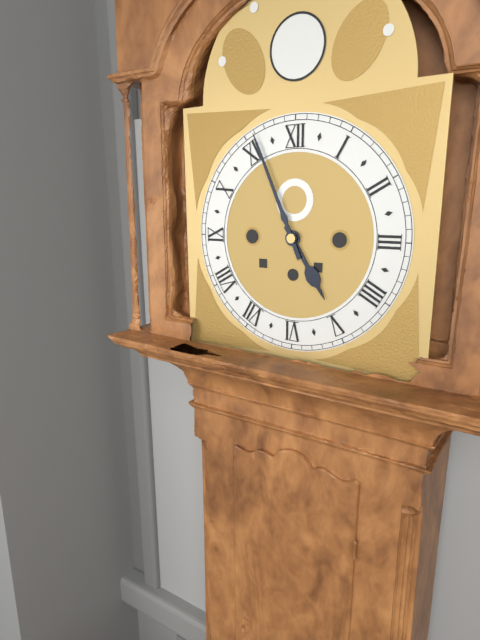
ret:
4:56
